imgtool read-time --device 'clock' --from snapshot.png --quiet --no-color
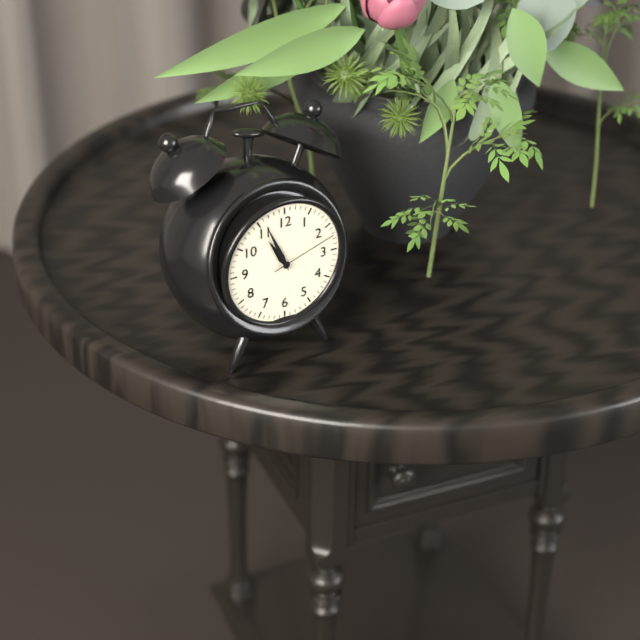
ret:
10:56:12
